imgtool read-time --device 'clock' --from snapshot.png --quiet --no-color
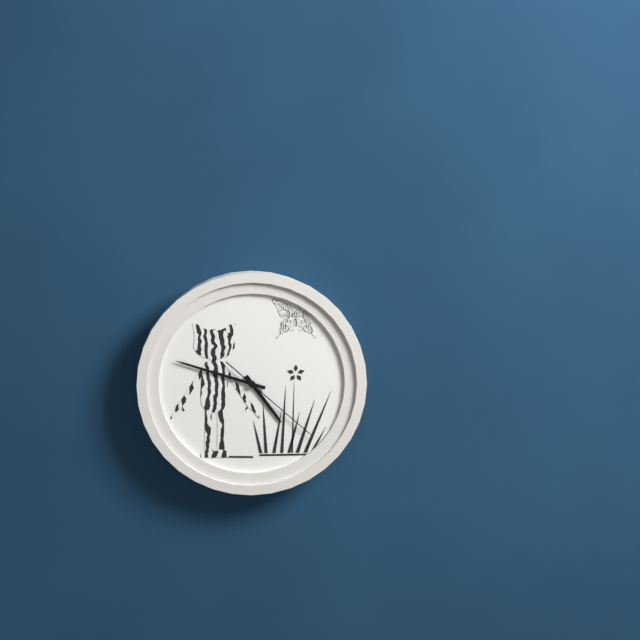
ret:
4:48:22
